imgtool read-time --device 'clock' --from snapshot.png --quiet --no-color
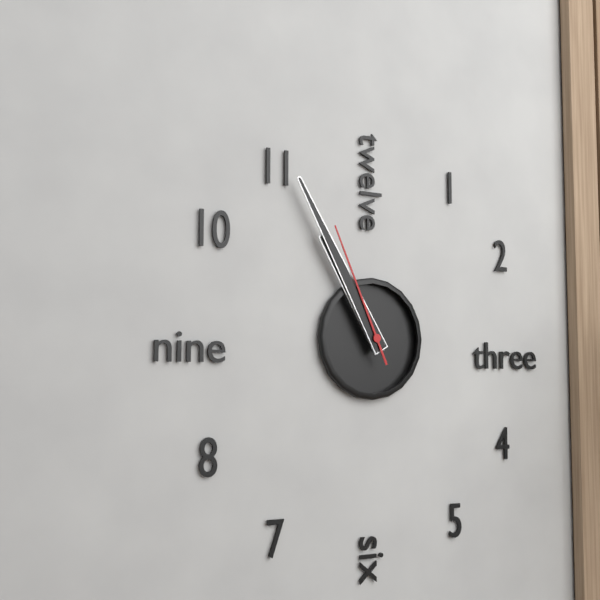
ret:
10:55:56
